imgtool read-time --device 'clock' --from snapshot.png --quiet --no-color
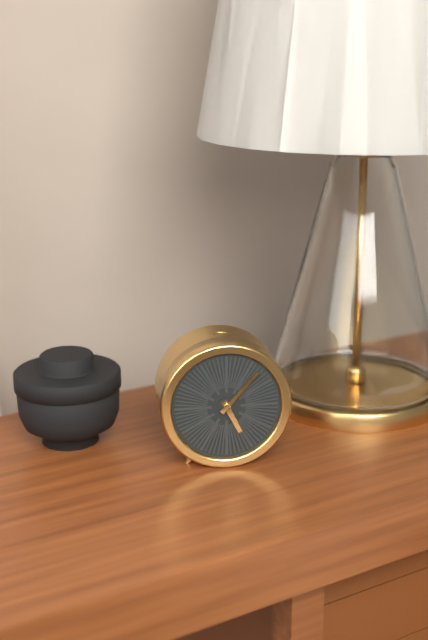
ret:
5:07
